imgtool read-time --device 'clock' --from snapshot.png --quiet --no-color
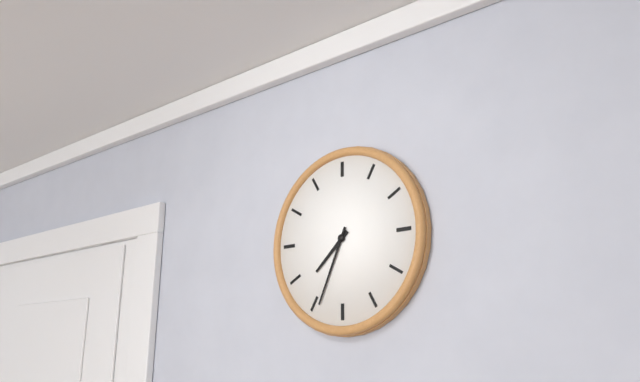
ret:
7:34
